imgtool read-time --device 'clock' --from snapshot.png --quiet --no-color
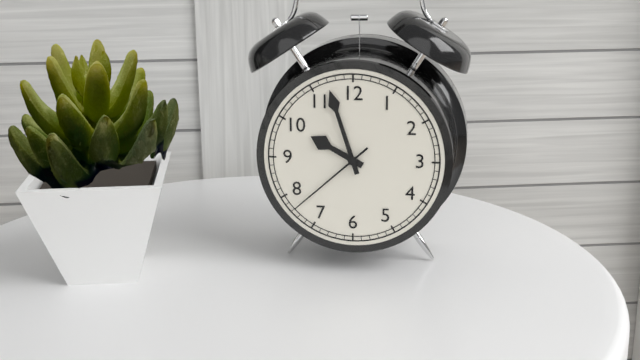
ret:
9:57:38
